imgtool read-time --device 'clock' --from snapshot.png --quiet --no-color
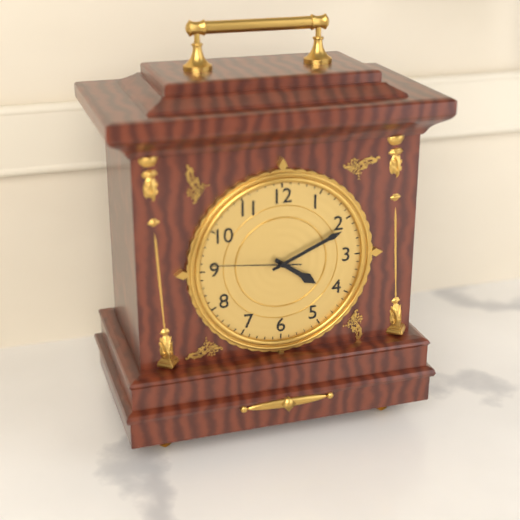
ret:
4:11:46
